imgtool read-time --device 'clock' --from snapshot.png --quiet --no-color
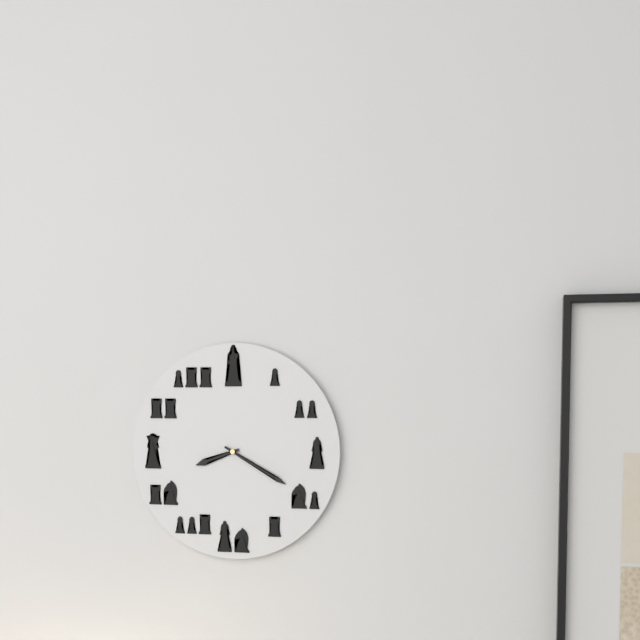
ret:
8:20
